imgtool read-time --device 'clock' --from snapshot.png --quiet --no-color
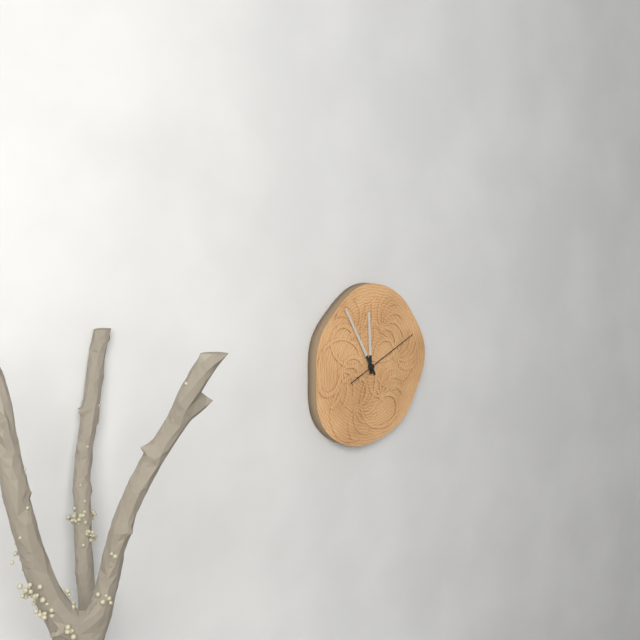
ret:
11:55:11
